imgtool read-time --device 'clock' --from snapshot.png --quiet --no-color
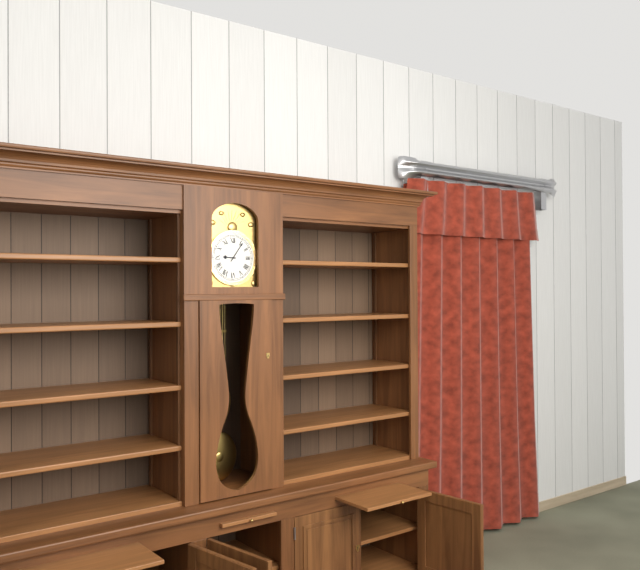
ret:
9:06
